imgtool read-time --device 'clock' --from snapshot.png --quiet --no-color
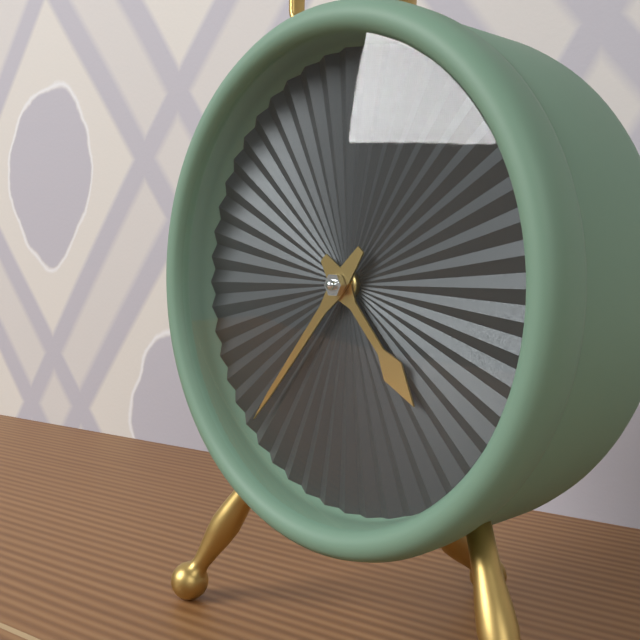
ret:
4:37
